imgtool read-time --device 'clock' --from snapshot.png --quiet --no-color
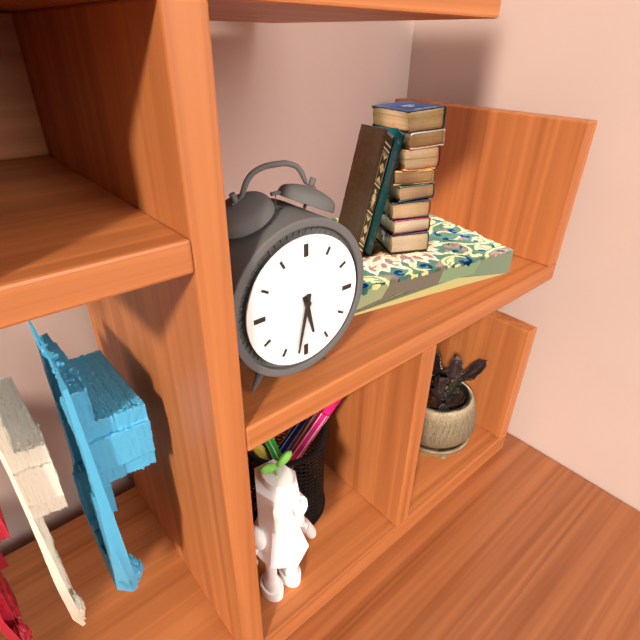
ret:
5:32
